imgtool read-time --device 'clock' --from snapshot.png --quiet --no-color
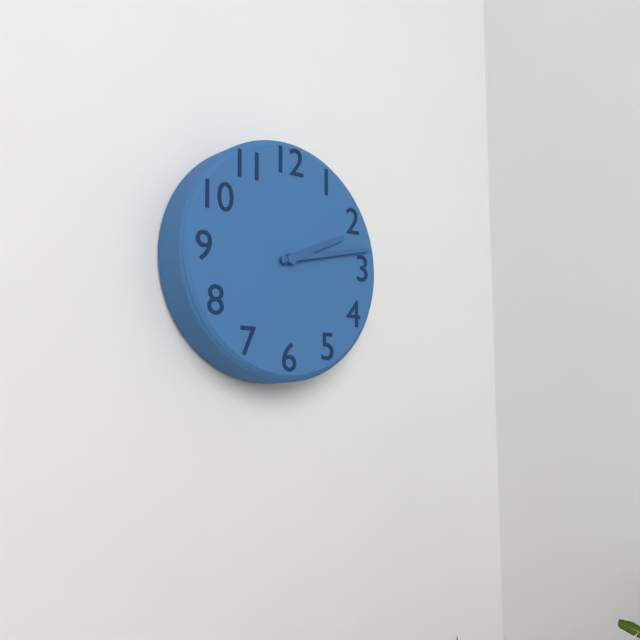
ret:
2:13
